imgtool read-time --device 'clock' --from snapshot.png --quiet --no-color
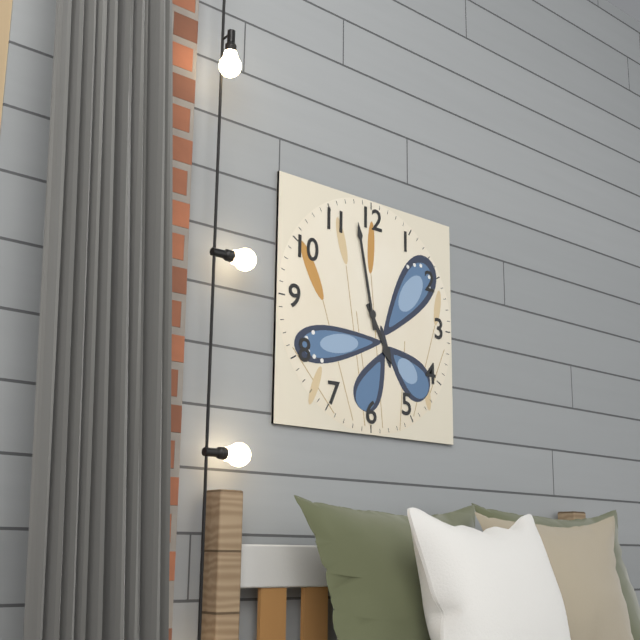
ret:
4:58
